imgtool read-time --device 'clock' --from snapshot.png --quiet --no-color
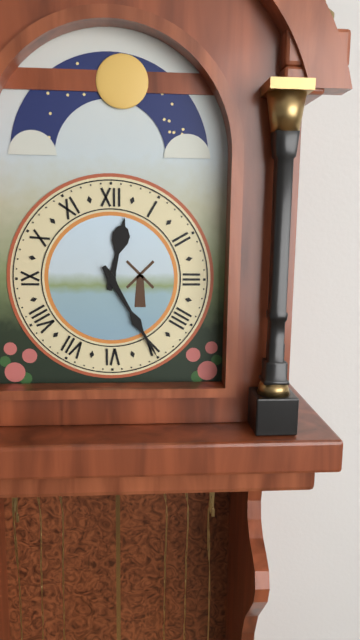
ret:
12:25
